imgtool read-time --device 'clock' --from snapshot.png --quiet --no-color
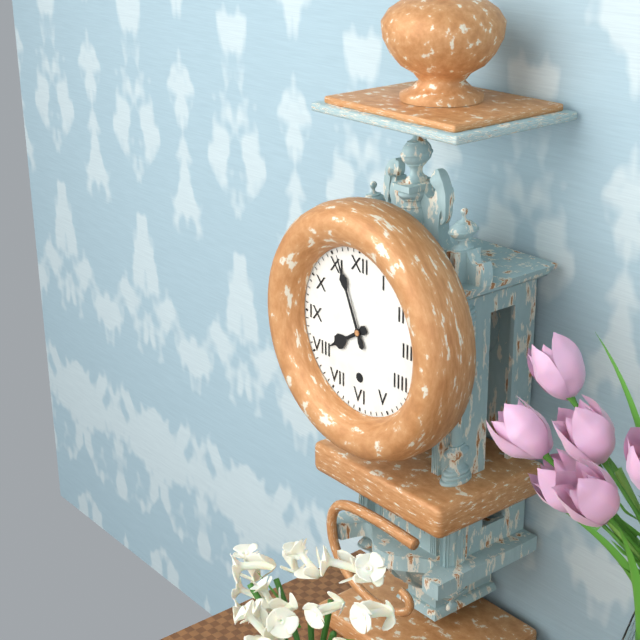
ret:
7:56
